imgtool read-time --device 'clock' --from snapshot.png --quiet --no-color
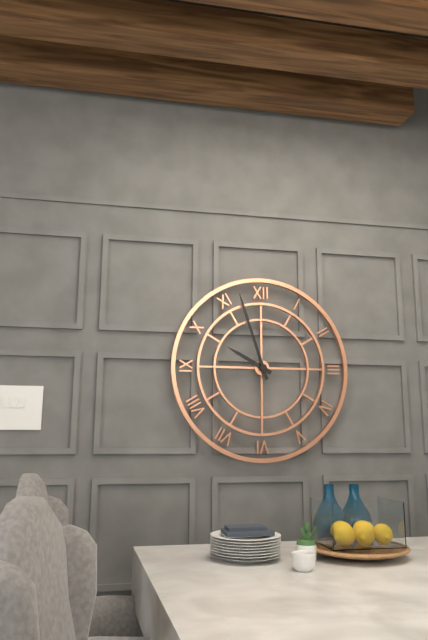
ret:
9:57
